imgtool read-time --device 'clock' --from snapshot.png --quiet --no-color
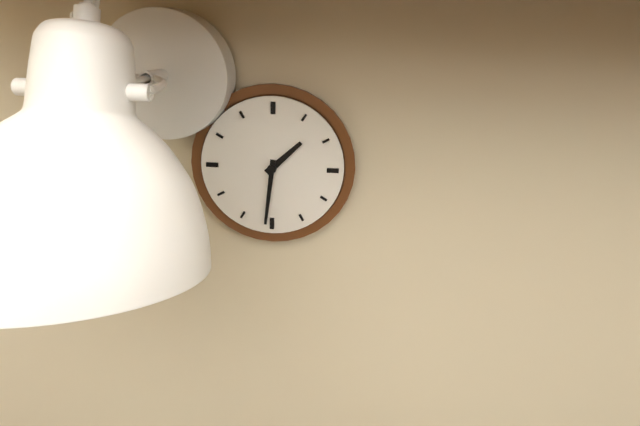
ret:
1:31
